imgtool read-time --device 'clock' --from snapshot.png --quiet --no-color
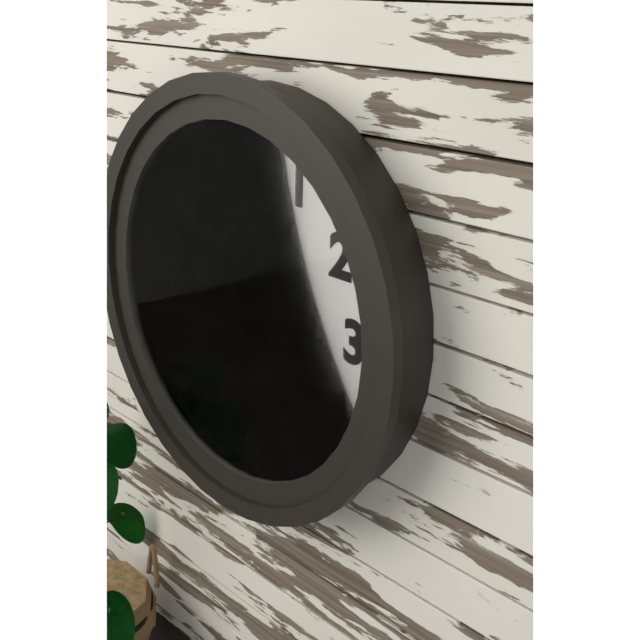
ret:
12:06:31
